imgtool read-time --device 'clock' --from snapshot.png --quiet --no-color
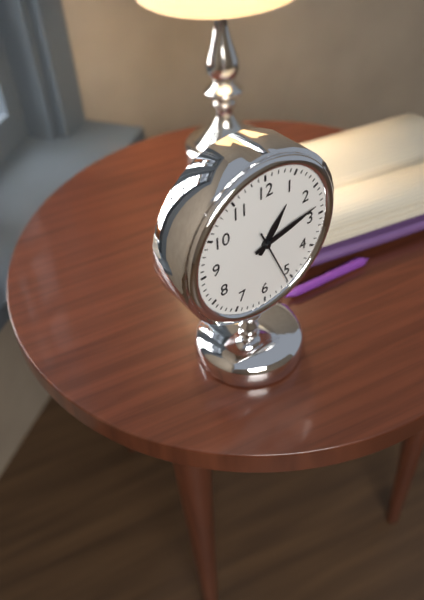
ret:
1:13:26
